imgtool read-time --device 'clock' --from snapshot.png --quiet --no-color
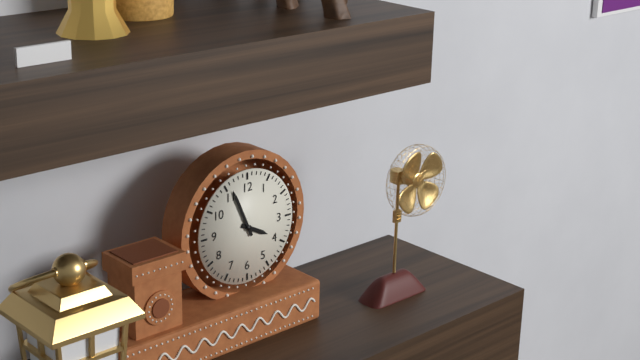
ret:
3:56
